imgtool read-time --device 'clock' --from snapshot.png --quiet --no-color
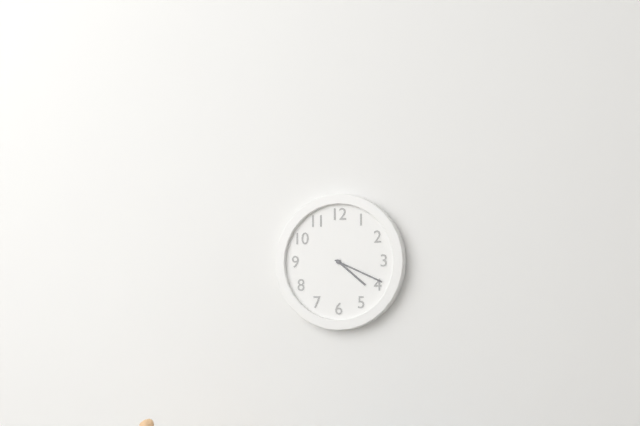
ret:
4:19
